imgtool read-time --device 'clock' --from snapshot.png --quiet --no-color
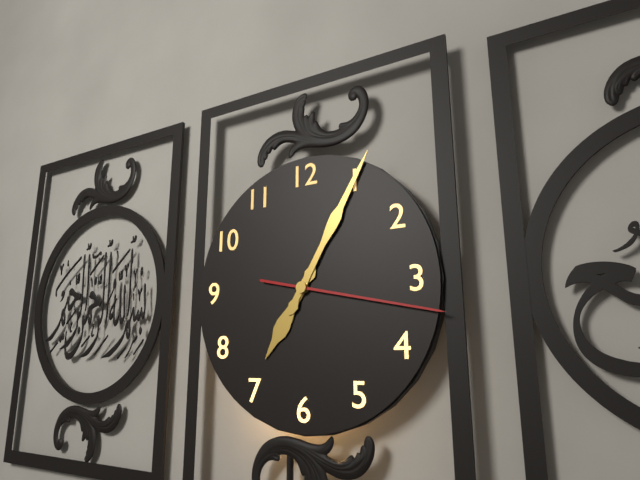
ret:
7:05:17
